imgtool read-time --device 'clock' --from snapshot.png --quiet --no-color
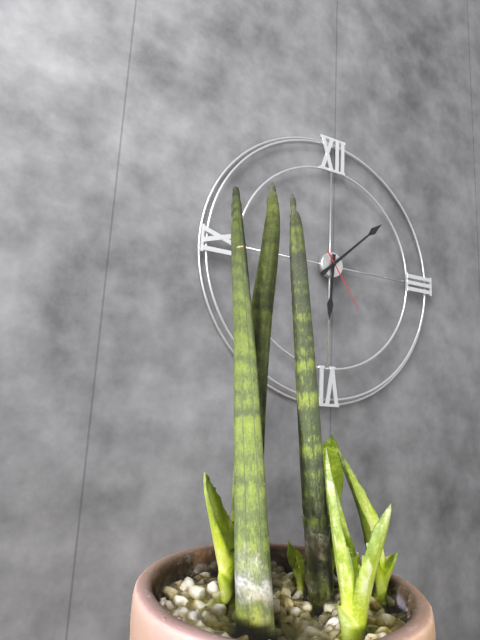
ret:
6:08:24
